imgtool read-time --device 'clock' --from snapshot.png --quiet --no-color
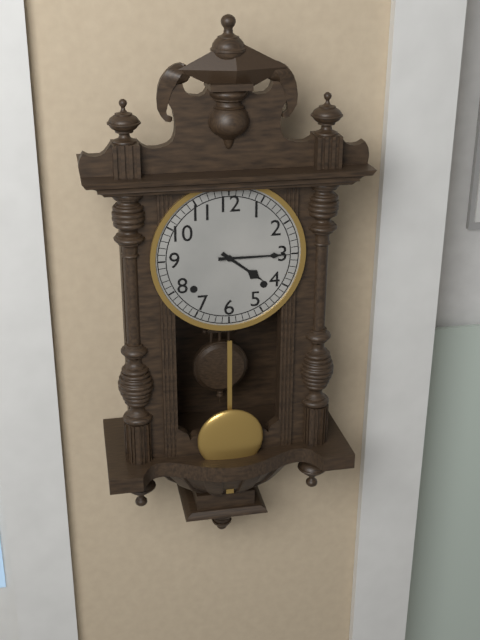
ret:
4:15
